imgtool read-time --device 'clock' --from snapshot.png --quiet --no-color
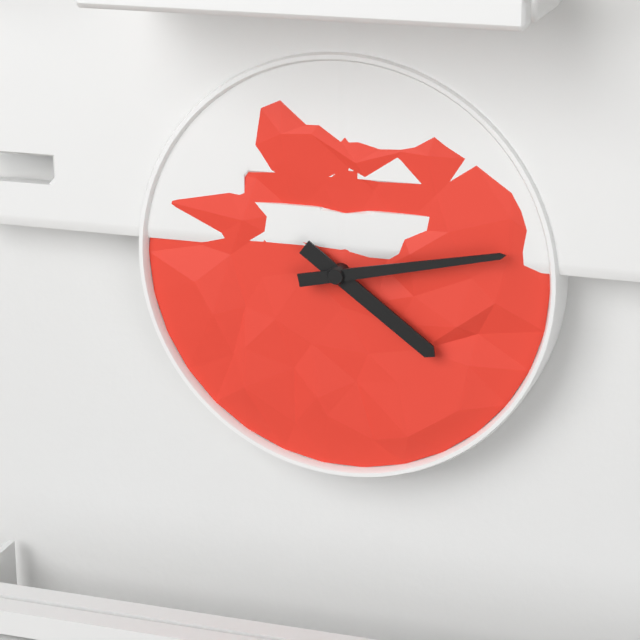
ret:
4:13
